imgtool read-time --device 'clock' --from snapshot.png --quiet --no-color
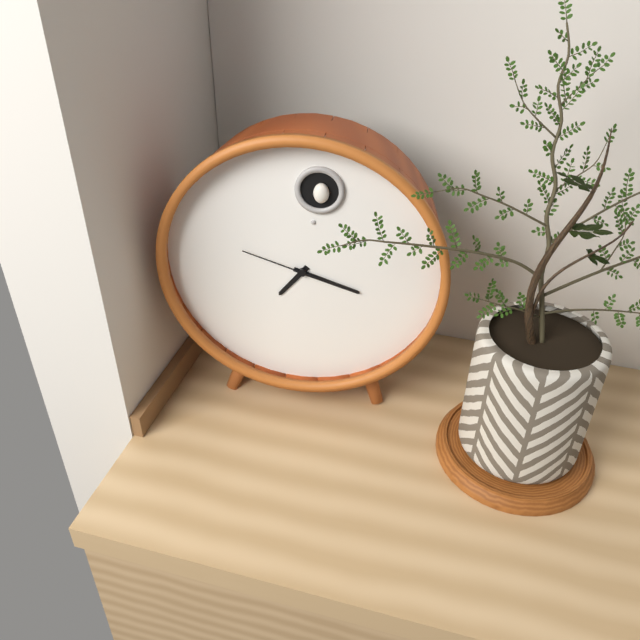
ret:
7:18:48
